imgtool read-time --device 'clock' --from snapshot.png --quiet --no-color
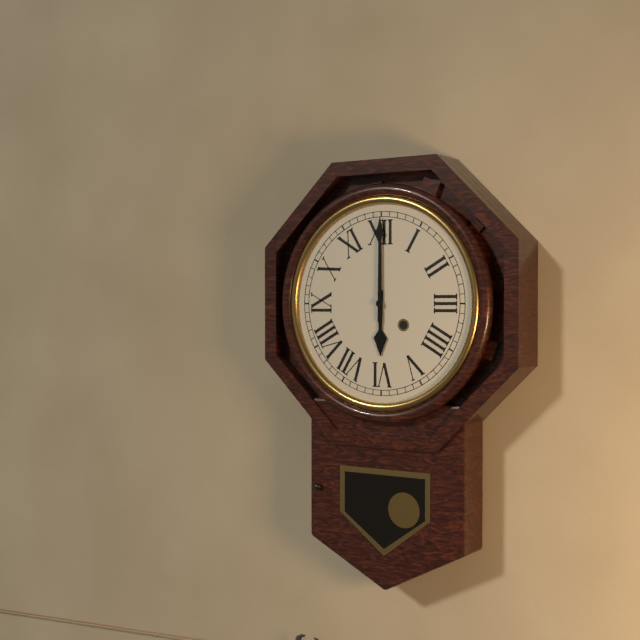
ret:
6:00
